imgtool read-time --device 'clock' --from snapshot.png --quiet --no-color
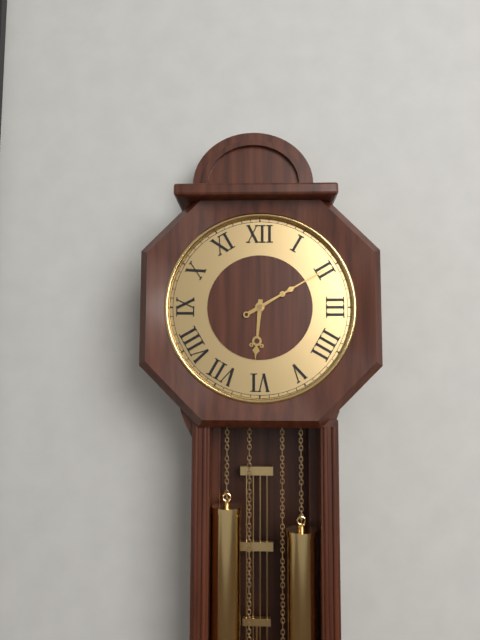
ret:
6:10
